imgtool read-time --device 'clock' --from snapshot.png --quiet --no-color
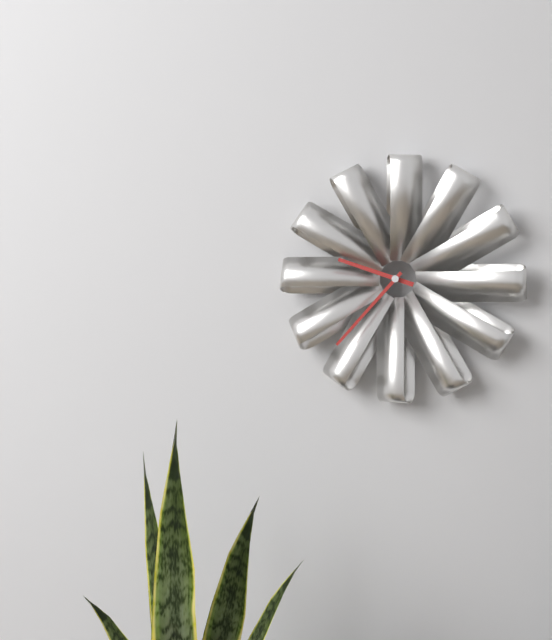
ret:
9:37
